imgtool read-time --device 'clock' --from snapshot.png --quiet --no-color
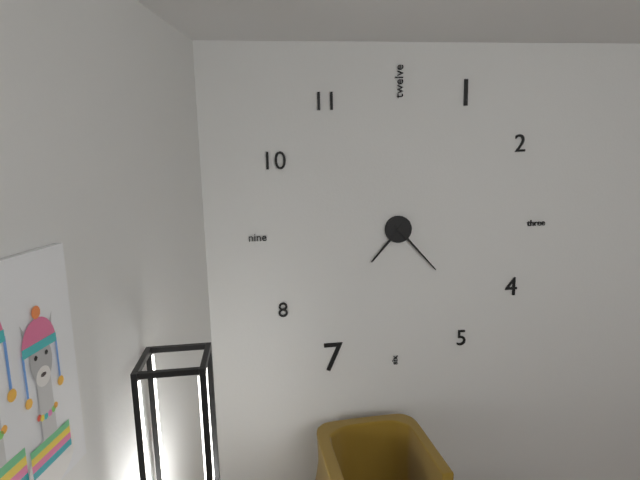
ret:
7:23
